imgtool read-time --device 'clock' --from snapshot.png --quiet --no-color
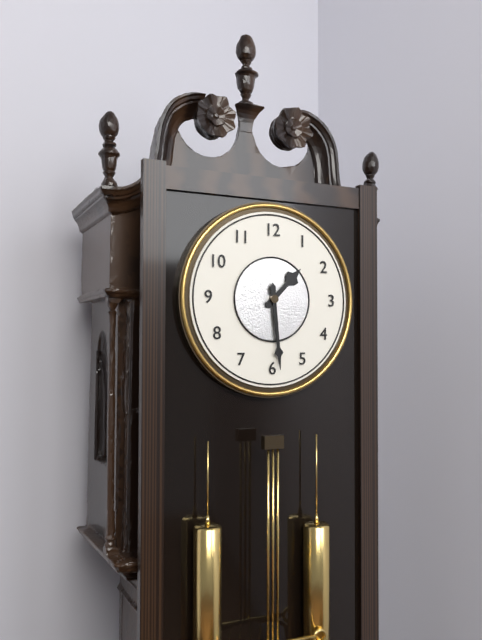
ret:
1:29
